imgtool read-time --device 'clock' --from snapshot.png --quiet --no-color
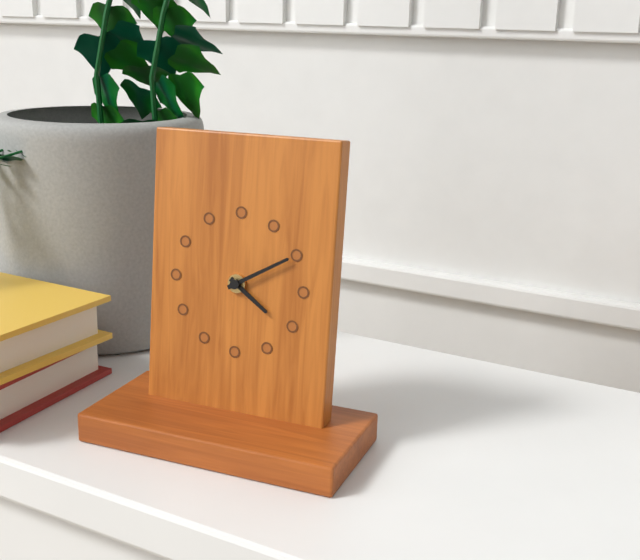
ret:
4:10
